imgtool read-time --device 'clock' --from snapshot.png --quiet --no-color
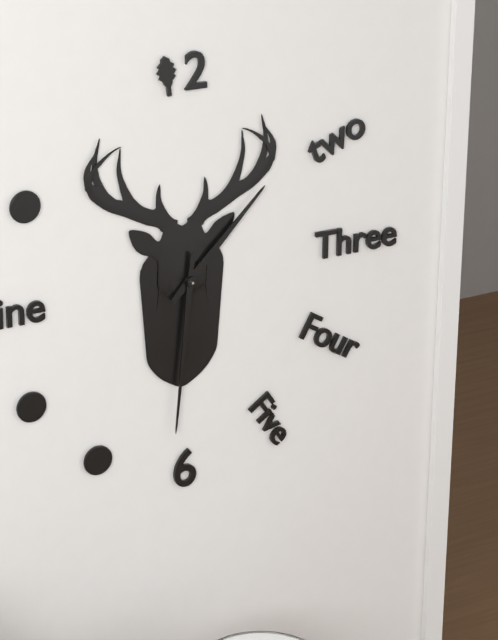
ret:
1:31
